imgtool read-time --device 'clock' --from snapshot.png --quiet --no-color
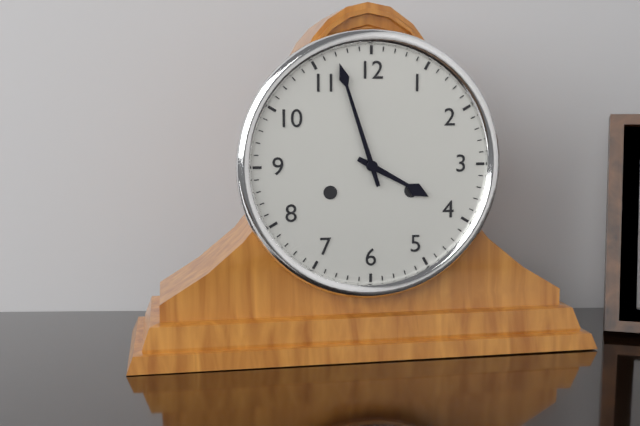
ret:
3:57
